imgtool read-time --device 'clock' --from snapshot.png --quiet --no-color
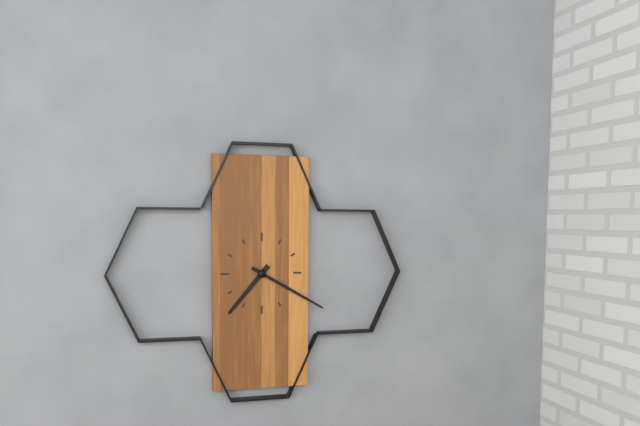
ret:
7:20
